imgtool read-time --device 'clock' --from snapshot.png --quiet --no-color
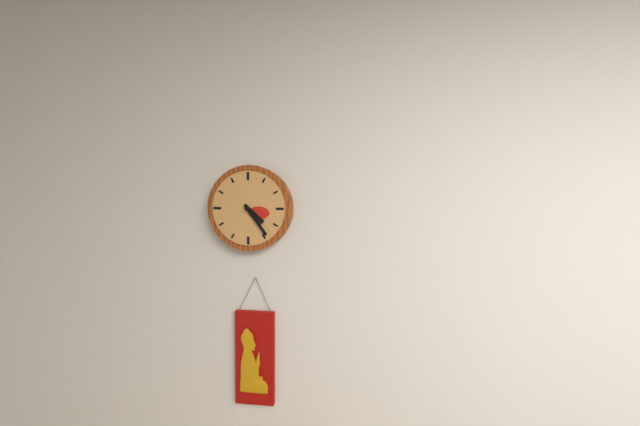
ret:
4:24
